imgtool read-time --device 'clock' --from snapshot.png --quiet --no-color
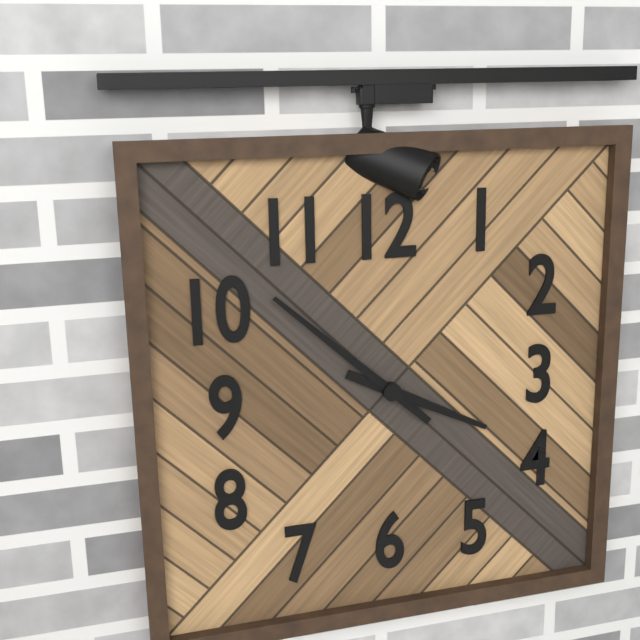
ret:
3:52
